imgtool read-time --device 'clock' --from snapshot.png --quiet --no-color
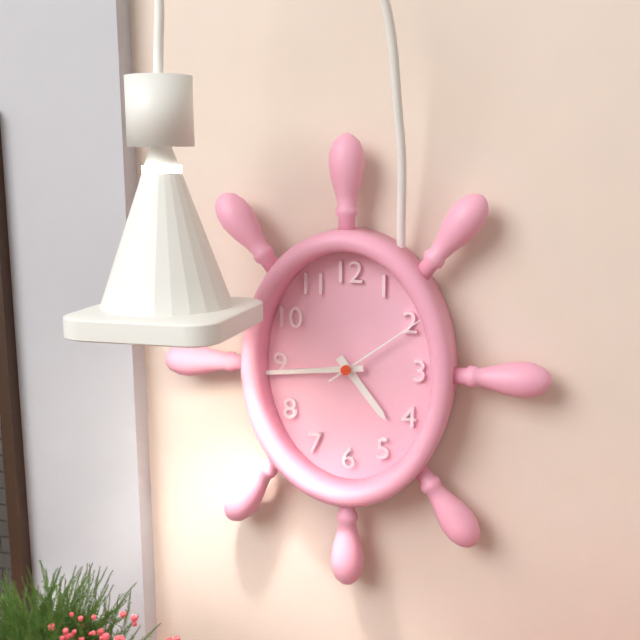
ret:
4:44:09
